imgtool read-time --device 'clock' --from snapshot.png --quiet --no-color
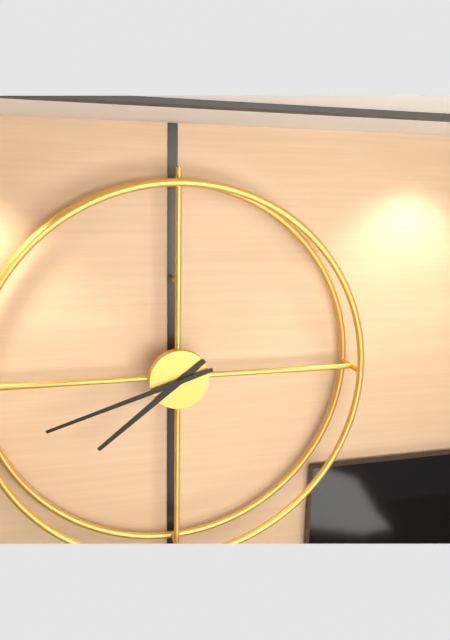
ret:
7:42
